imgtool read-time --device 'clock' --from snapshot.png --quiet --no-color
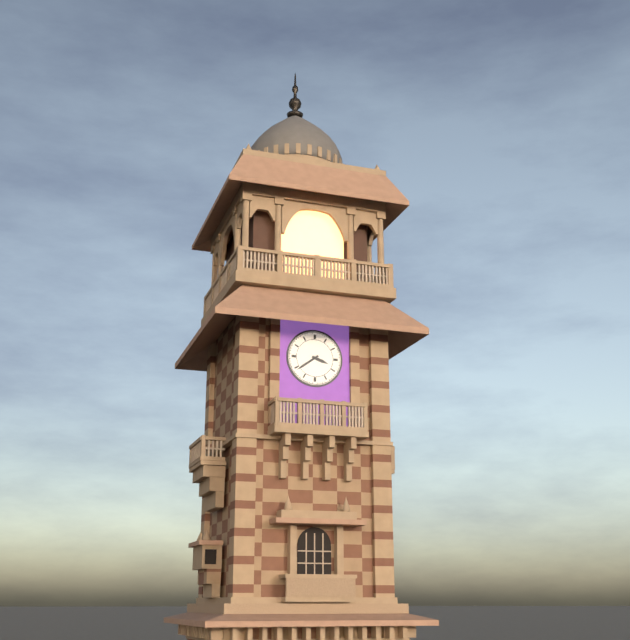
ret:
3:39
